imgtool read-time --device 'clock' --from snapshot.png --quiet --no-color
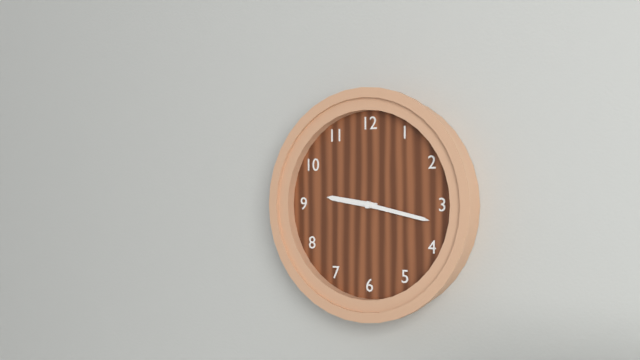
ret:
9:17
